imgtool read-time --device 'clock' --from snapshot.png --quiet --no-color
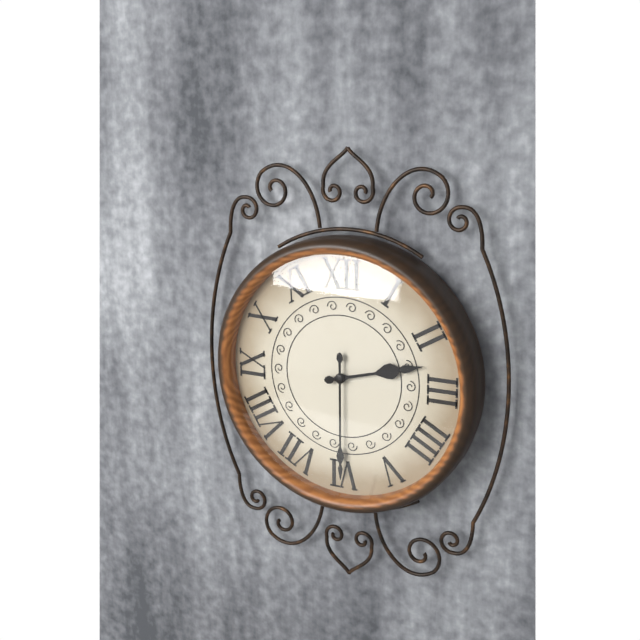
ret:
2:30
